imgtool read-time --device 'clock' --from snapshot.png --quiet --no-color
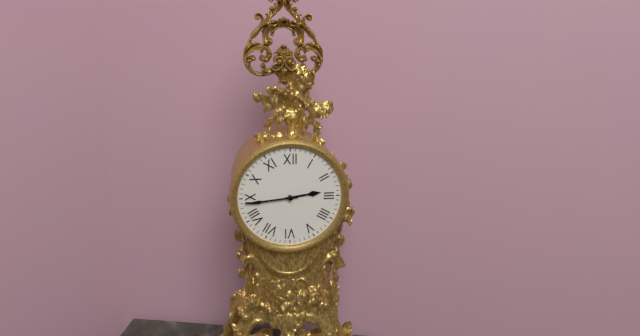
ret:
2:44
